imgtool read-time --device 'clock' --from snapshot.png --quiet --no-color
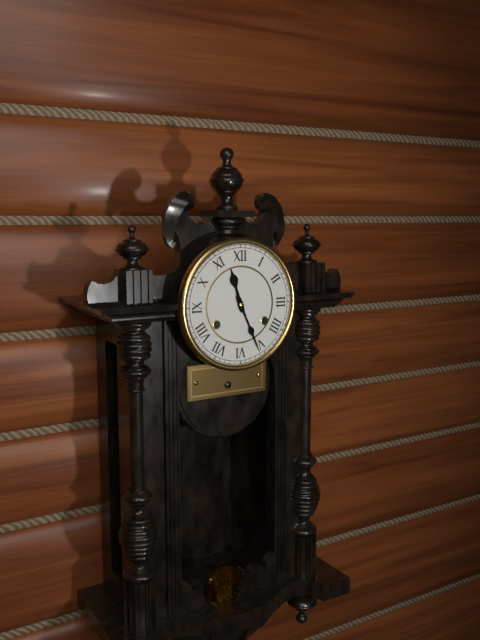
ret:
11:26
